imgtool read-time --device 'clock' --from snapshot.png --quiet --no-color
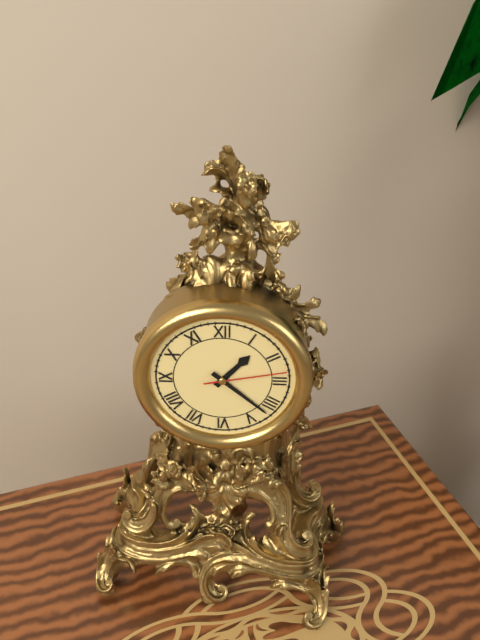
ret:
1:22:13
